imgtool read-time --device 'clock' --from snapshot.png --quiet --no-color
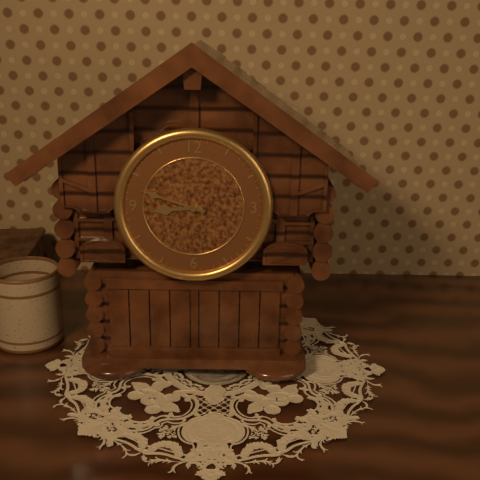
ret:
8:48
